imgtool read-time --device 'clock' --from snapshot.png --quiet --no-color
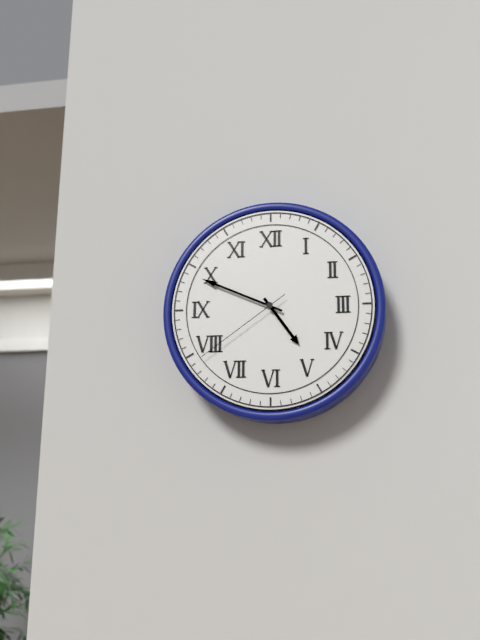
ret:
4:49:39
